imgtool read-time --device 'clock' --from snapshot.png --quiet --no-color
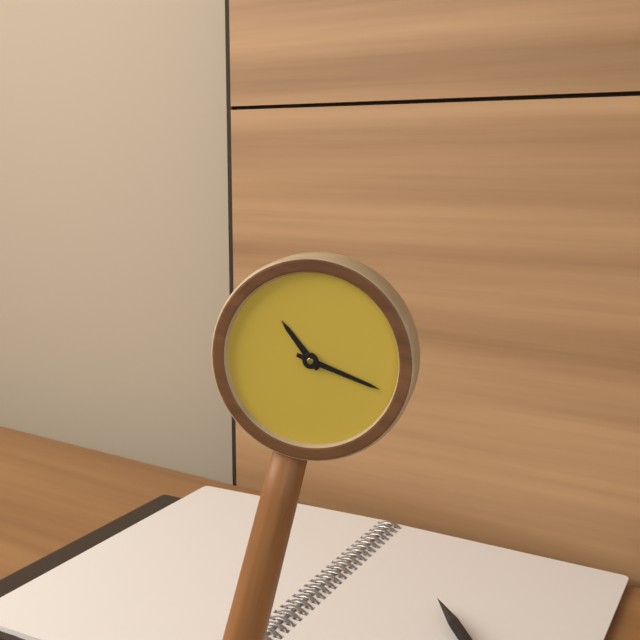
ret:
10:16
